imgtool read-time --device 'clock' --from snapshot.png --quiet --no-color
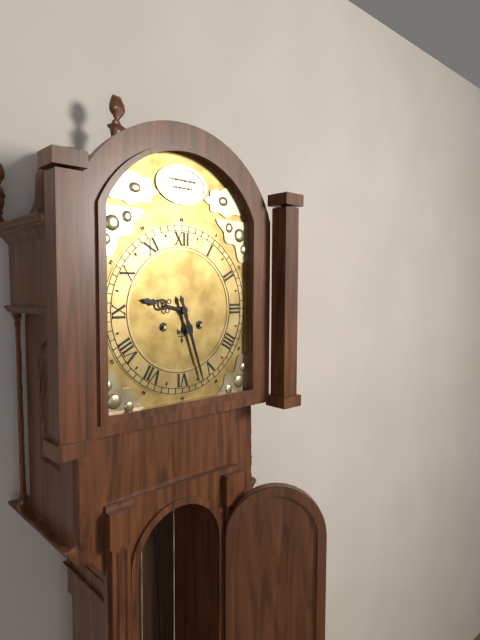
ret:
9:27
